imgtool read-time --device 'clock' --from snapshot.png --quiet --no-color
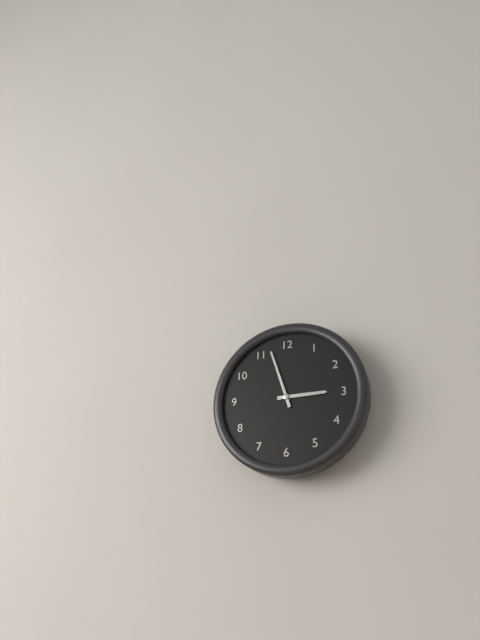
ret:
2:57
